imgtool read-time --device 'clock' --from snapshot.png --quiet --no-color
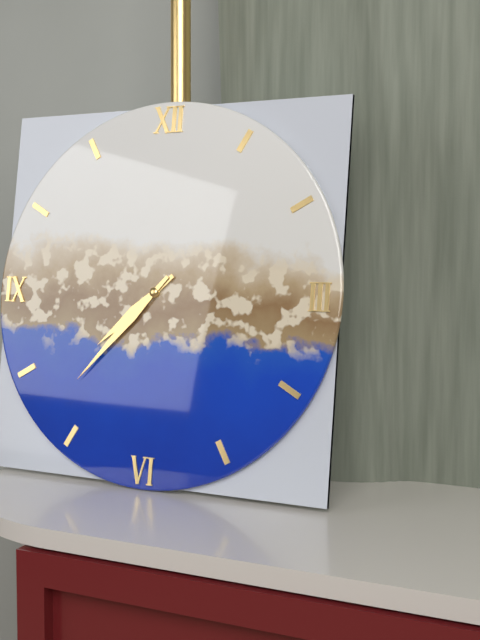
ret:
7:37
